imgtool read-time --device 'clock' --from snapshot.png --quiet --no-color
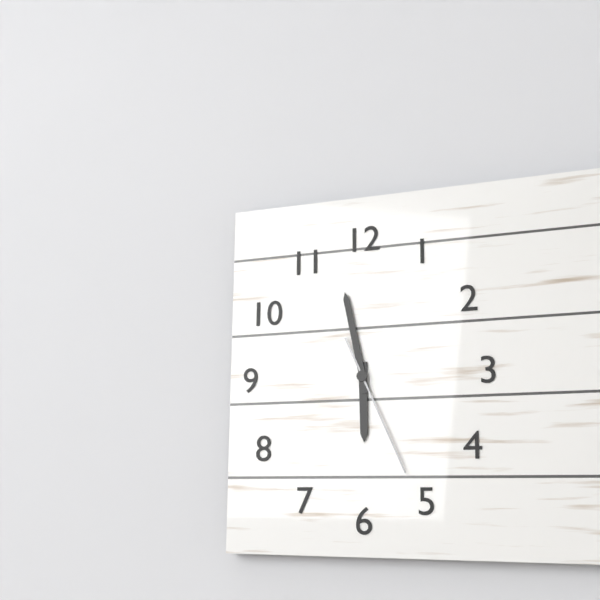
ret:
5:58:26
